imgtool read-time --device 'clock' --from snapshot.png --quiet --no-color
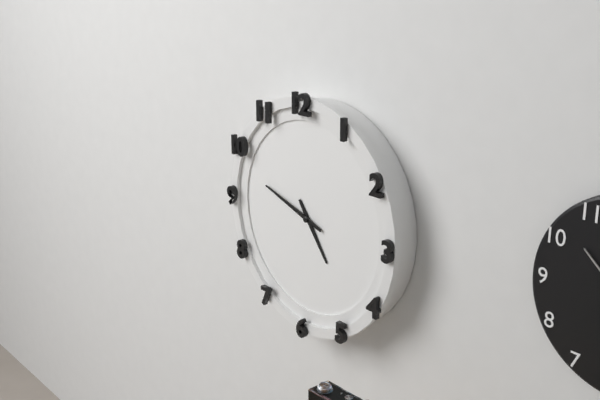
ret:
4:48
